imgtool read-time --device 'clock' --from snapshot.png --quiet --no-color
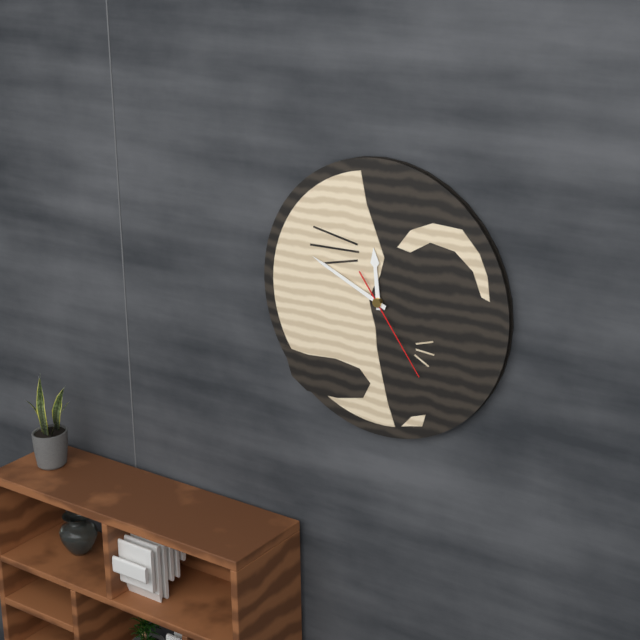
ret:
11:49:24
